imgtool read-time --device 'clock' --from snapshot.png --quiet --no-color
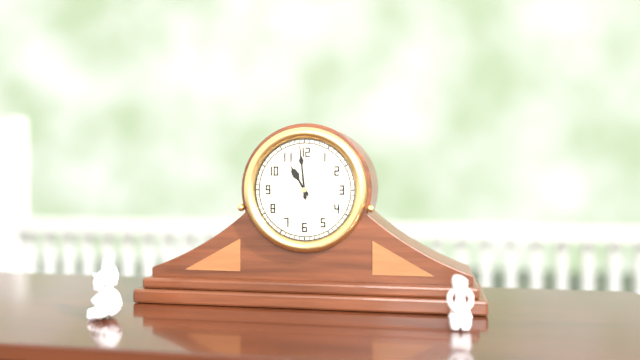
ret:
10:59
